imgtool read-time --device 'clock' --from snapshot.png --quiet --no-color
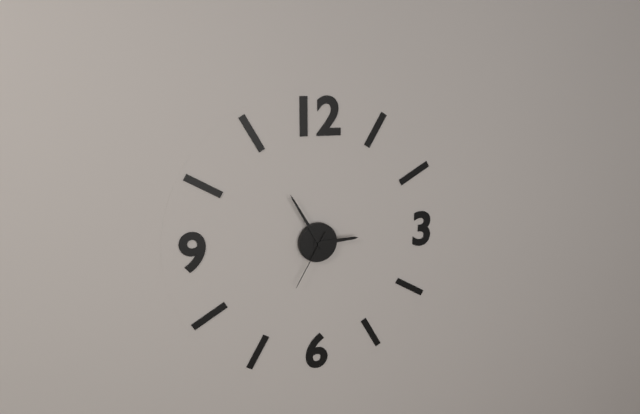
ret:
2:55:35
